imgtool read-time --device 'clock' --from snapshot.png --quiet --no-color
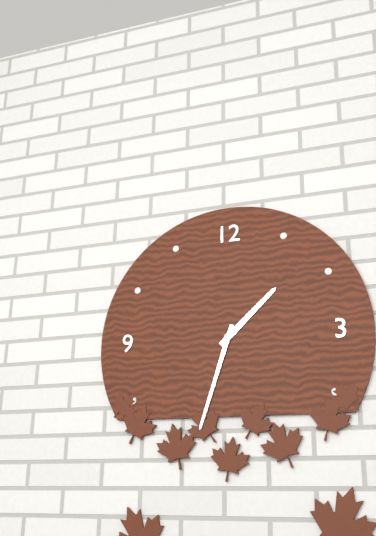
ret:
1:33
